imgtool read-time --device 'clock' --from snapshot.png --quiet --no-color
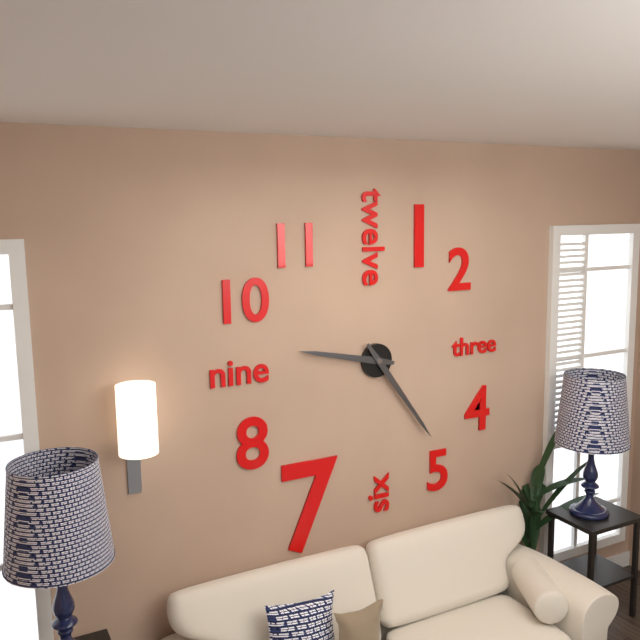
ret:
9:24
